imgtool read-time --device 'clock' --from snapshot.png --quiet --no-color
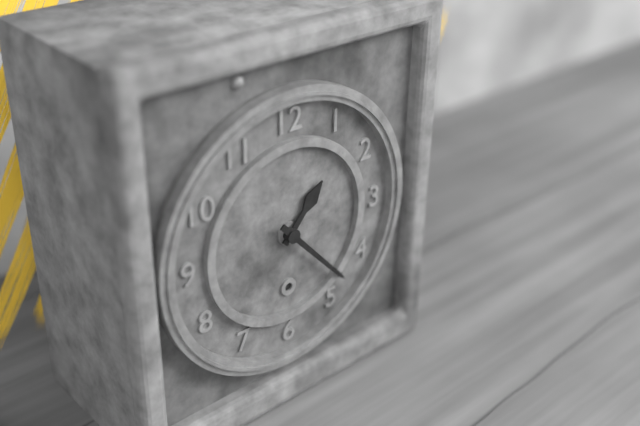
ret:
1:23
